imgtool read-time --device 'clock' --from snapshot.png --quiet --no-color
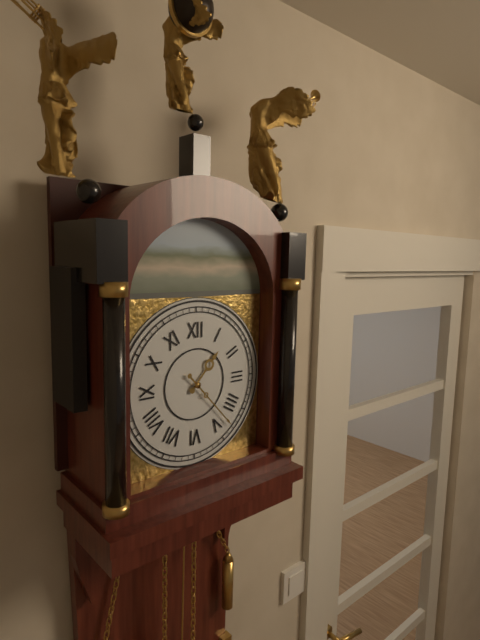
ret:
1:23
